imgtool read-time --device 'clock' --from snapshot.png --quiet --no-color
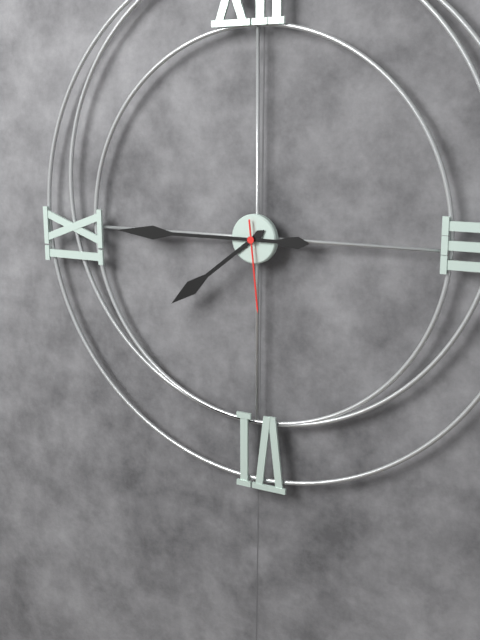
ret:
7:45:29
